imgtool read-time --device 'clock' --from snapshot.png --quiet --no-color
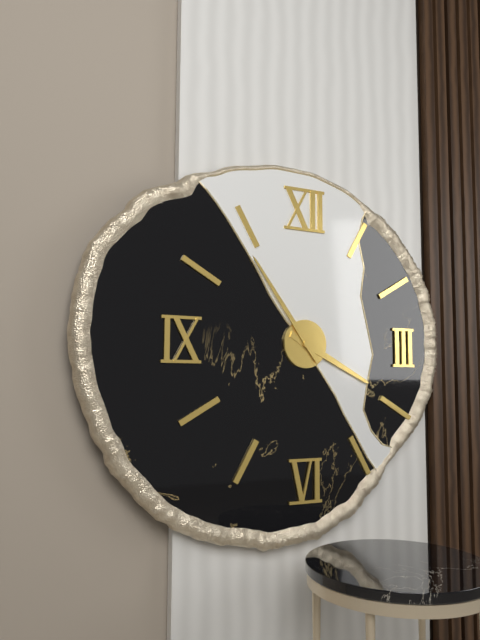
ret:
3:54
